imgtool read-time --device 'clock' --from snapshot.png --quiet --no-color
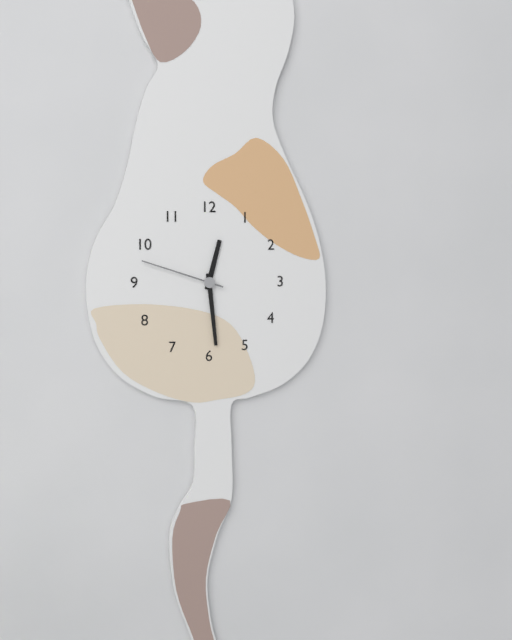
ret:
12:29:48
